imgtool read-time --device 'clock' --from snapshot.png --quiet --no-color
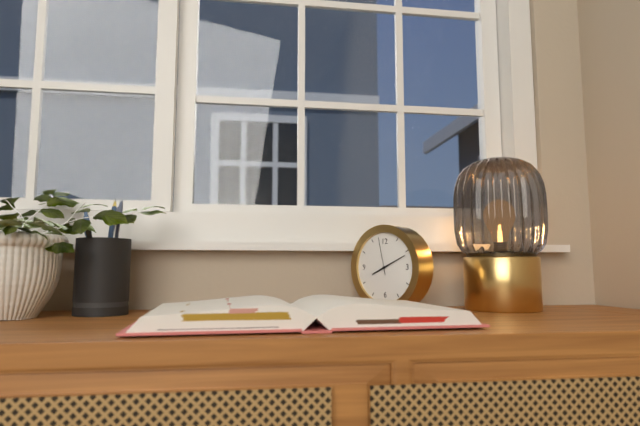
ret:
8:11
